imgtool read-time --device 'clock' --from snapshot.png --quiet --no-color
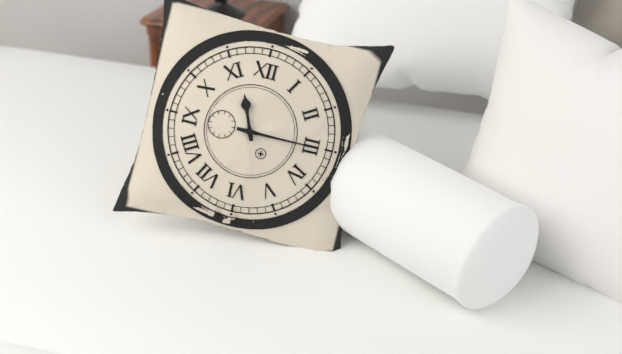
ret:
11:15
